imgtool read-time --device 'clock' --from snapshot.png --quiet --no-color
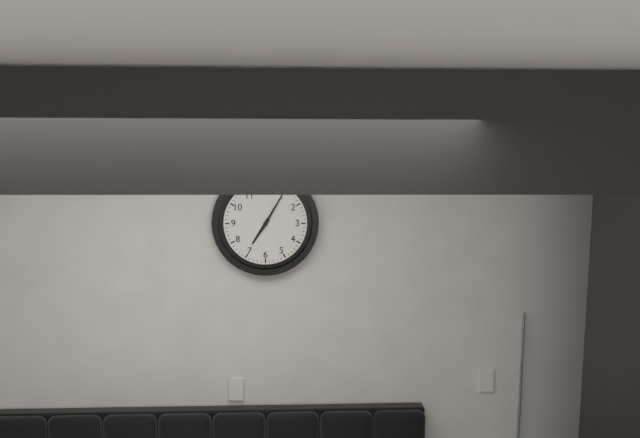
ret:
7:05
